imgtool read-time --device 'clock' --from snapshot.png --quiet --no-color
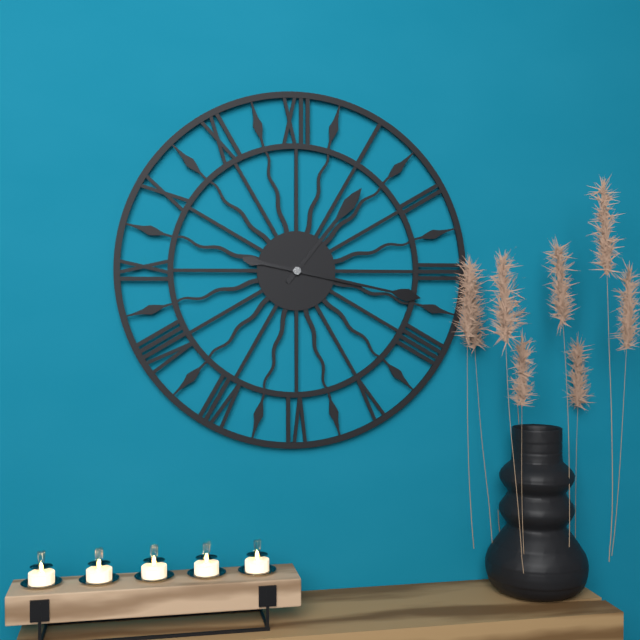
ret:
1:17
